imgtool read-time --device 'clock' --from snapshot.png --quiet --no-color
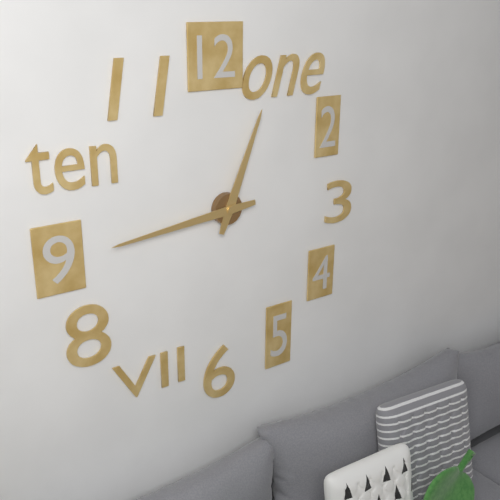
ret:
12:44
